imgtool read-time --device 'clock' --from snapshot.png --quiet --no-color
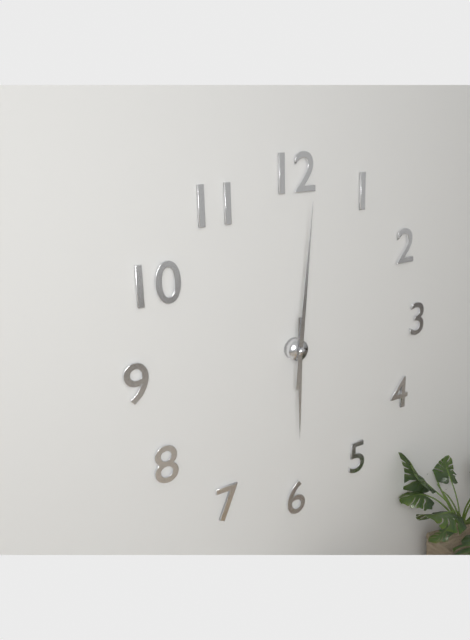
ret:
6:01
